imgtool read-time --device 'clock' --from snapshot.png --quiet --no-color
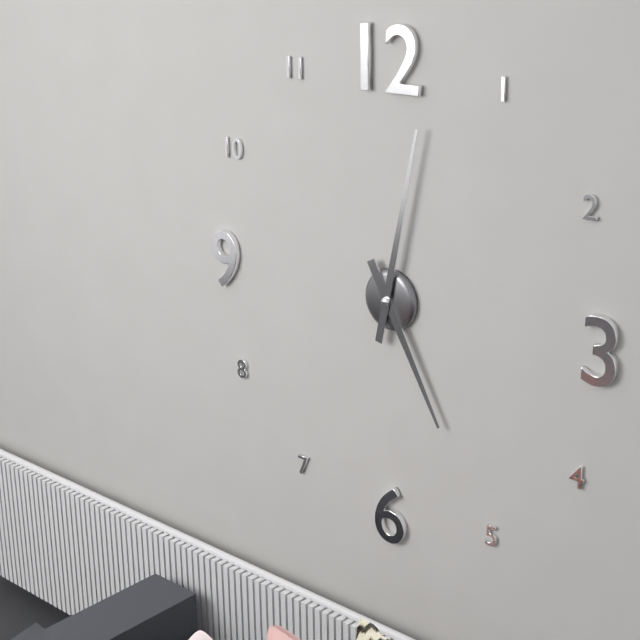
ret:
5:02
